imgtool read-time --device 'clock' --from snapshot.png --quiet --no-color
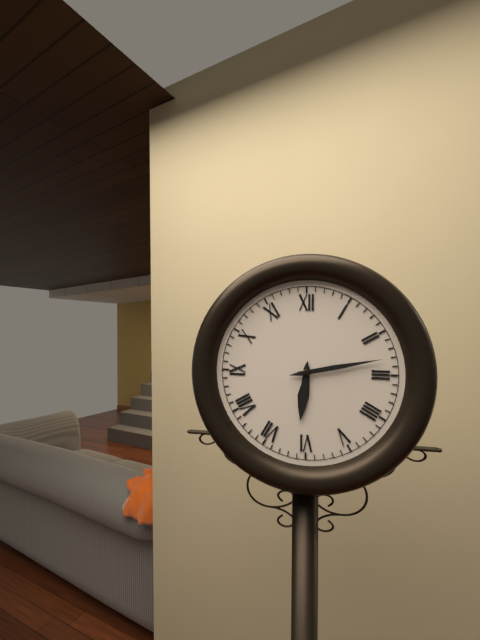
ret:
6:13
